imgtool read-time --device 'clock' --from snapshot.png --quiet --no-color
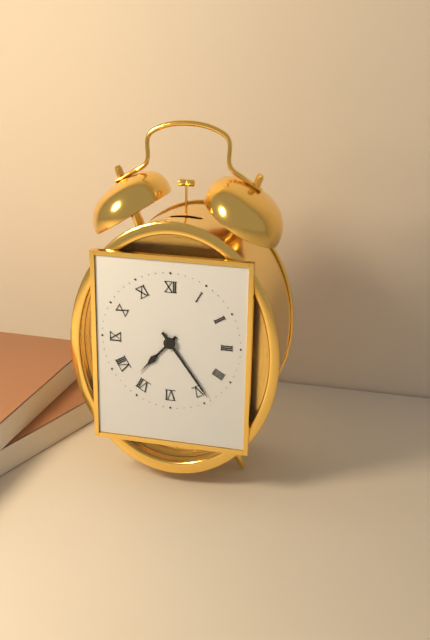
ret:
7:24
